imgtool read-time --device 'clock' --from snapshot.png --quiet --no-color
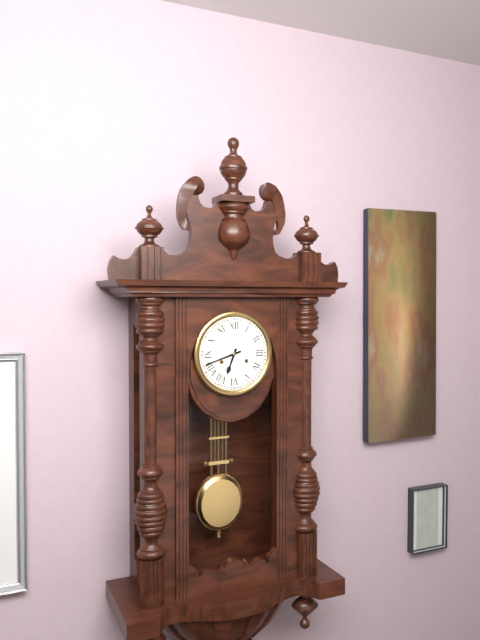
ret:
6:42
